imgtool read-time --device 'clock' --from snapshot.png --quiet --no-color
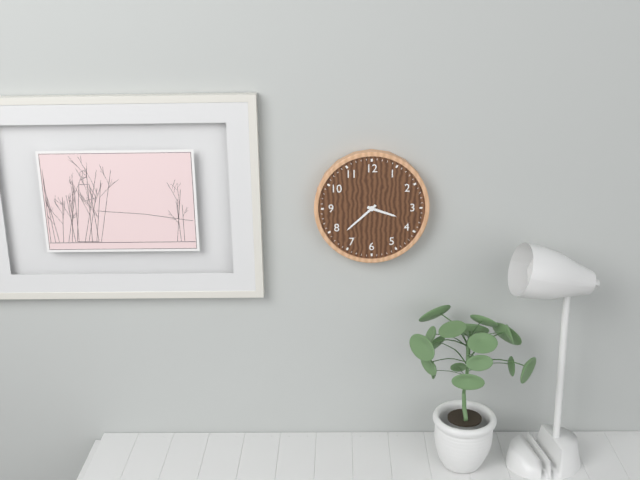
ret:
3:38
